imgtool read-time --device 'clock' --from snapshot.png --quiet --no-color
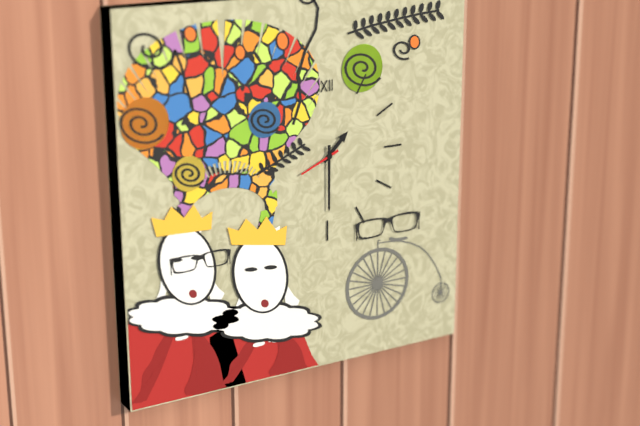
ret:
1:30
